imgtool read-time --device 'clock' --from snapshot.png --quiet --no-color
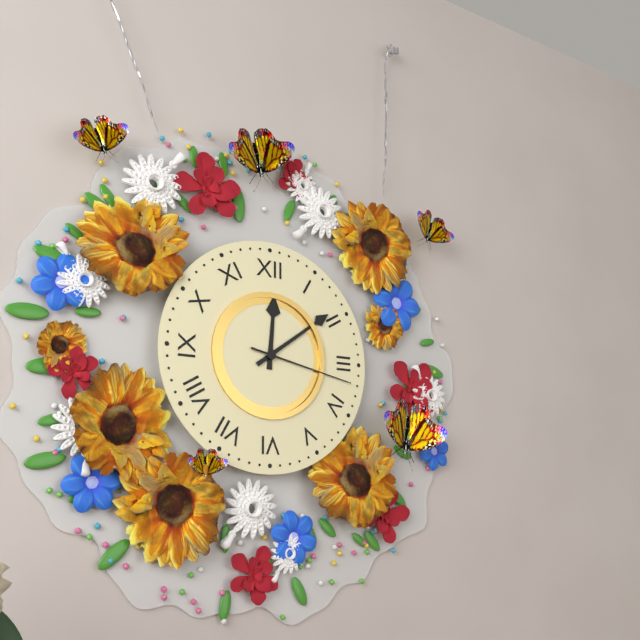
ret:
12:09:17
